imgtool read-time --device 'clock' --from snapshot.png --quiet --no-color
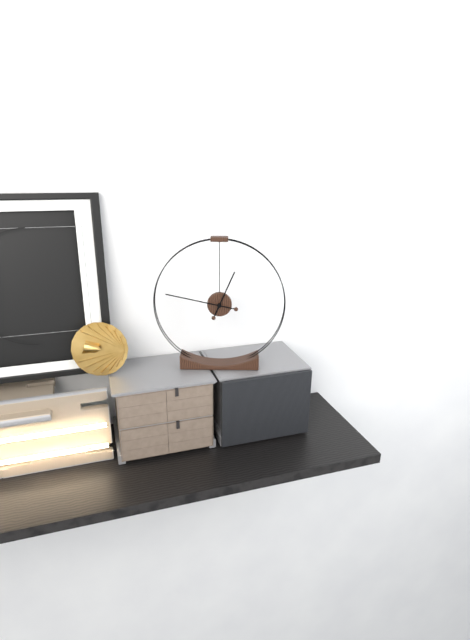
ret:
12:47
